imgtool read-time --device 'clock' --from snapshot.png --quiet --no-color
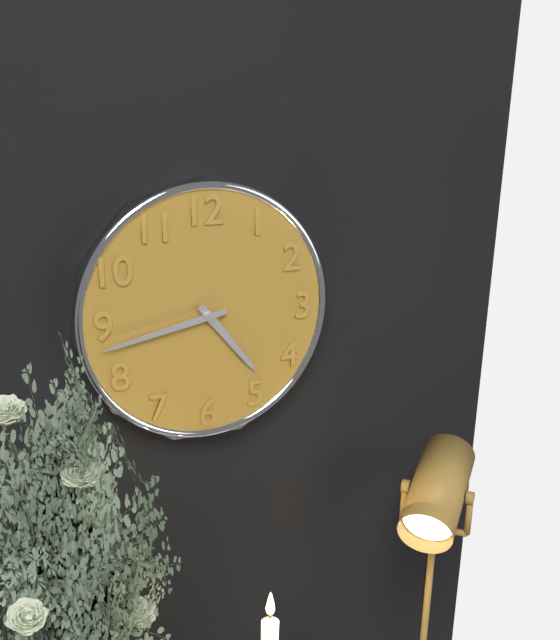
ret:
4:43
